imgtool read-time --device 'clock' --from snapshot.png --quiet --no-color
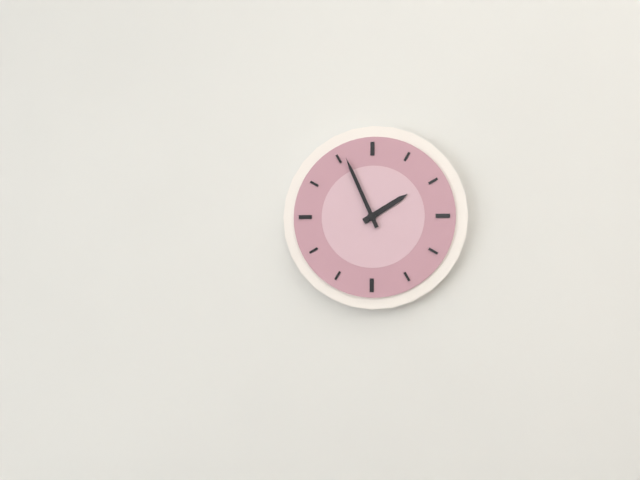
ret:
1:56
